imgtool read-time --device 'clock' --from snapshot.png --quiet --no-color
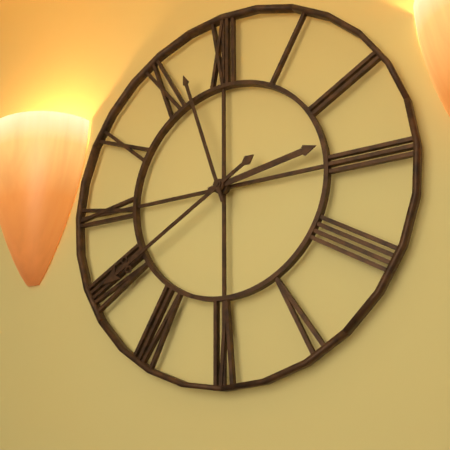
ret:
2:40:57
